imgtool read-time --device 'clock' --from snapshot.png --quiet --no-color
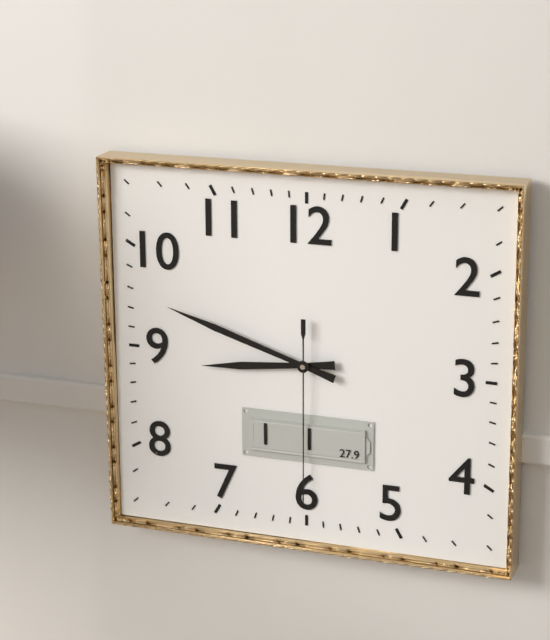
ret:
8:48:30
